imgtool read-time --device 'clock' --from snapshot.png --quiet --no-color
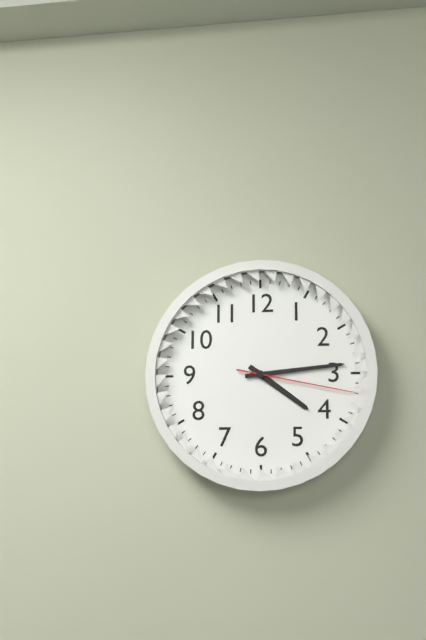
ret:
4:14:17
